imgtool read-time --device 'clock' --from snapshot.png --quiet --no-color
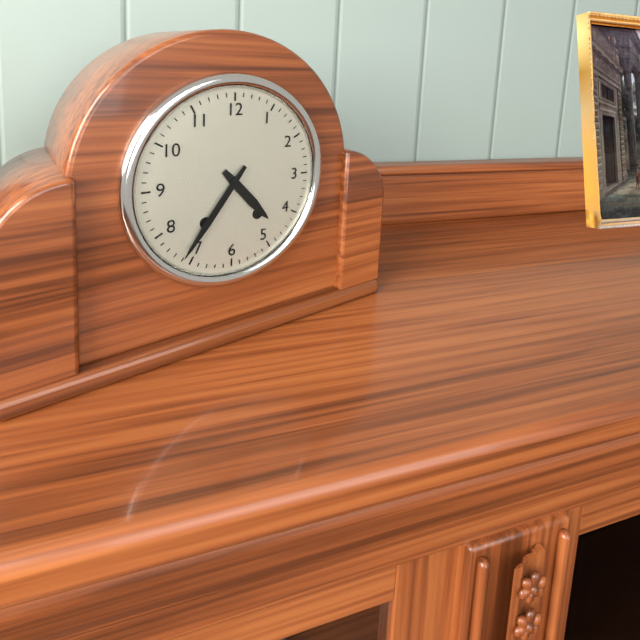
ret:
4:36
